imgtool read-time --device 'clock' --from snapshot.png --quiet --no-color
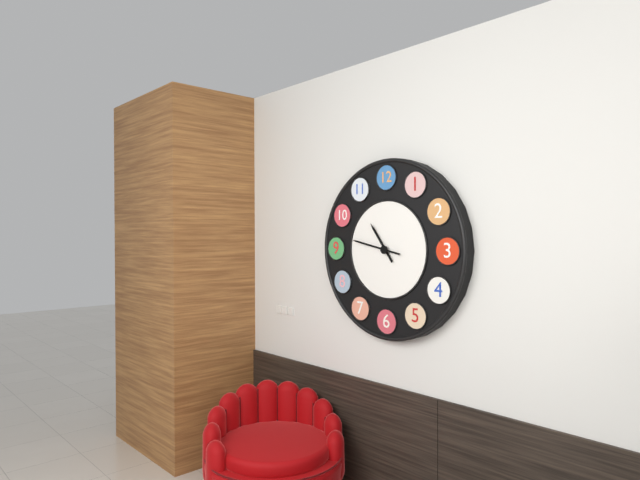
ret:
10:47
